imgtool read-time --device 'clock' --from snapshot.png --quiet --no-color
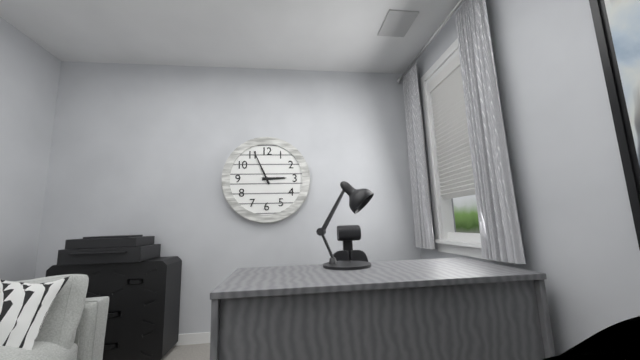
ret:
2:56
